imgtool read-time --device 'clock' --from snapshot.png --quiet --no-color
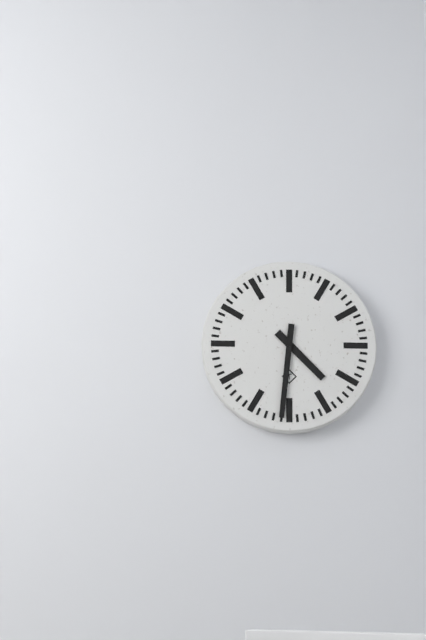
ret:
4:31
